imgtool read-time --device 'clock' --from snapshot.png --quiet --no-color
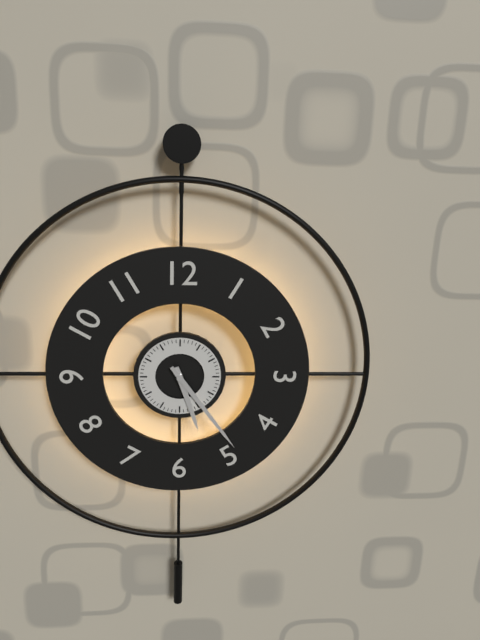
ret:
5:24
